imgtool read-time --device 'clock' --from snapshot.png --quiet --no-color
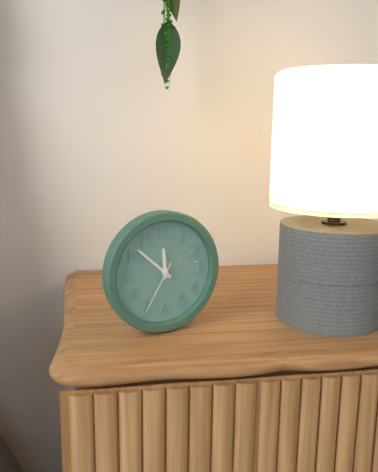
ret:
11:52:35
